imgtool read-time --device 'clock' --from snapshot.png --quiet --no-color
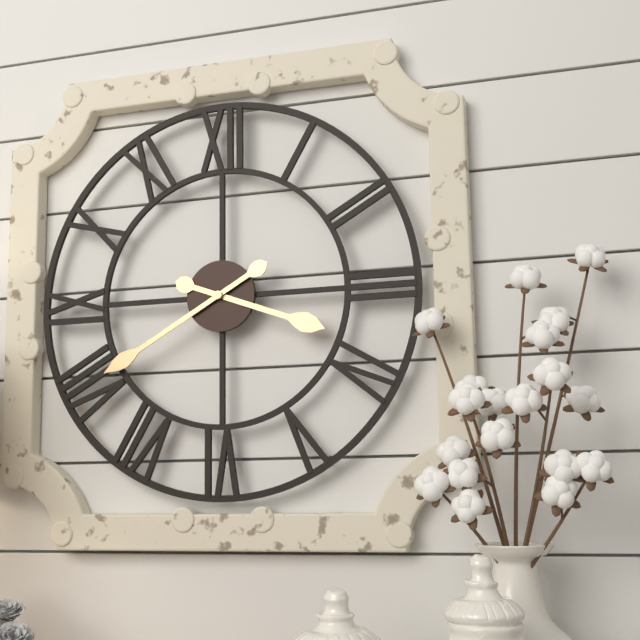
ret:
3:40
